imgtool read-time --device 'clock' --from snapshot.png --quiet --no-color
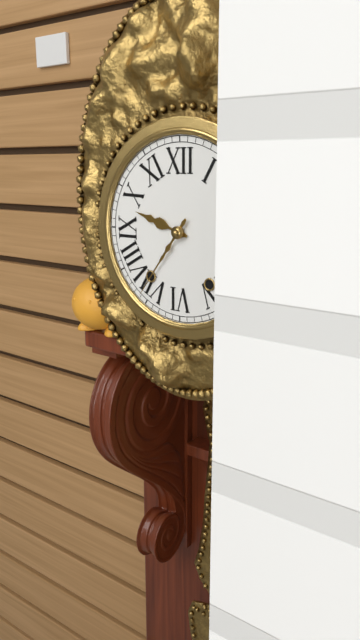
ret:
9:36
